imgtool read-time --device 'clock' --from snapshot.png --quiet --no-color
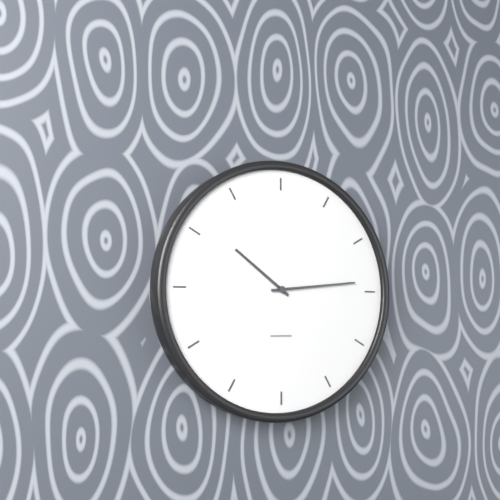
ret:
10:14
